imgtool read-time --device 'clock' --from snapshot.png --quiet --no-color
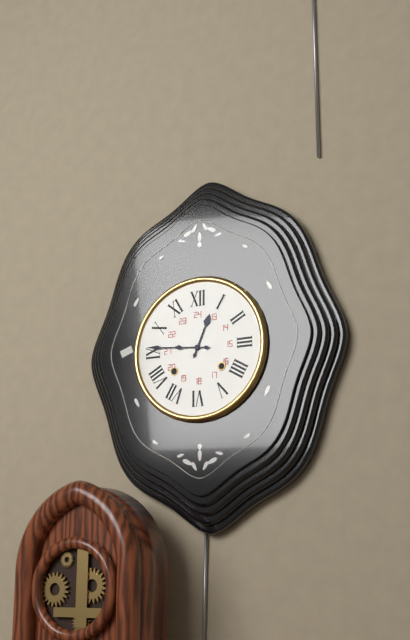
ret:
12:46
